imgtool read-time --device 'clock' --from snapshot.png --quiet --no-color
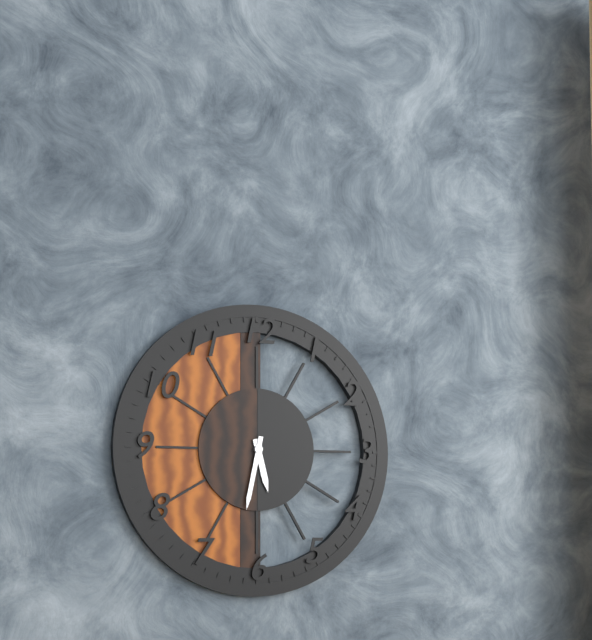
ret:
5:32
